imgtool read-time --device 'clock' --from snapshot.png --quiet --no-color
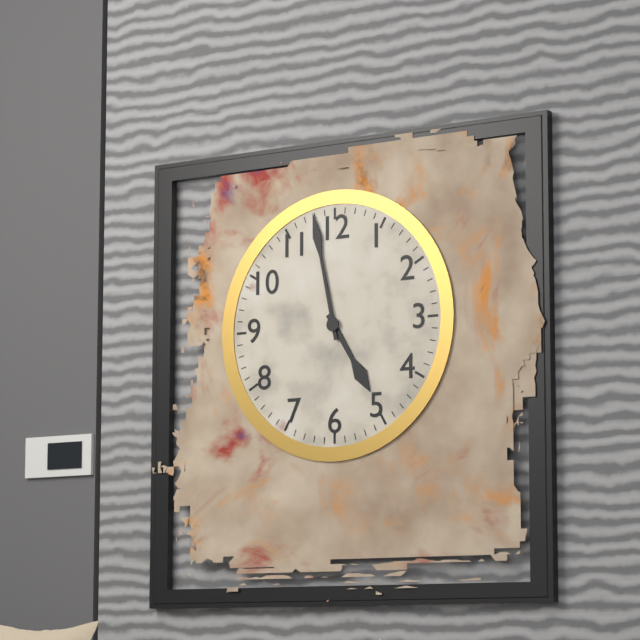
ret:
4:58
